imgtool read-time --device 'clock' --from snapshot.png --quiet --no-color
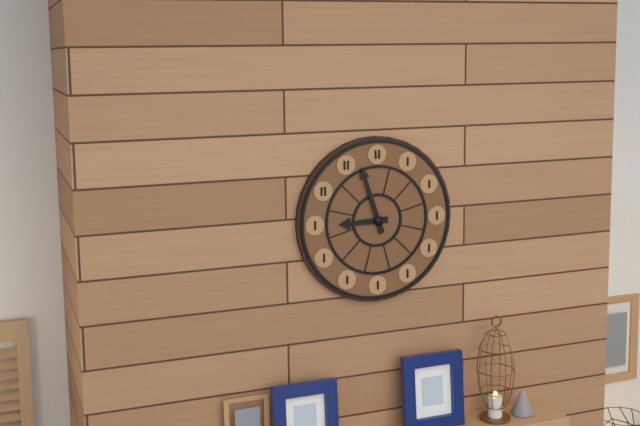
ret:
8:57
